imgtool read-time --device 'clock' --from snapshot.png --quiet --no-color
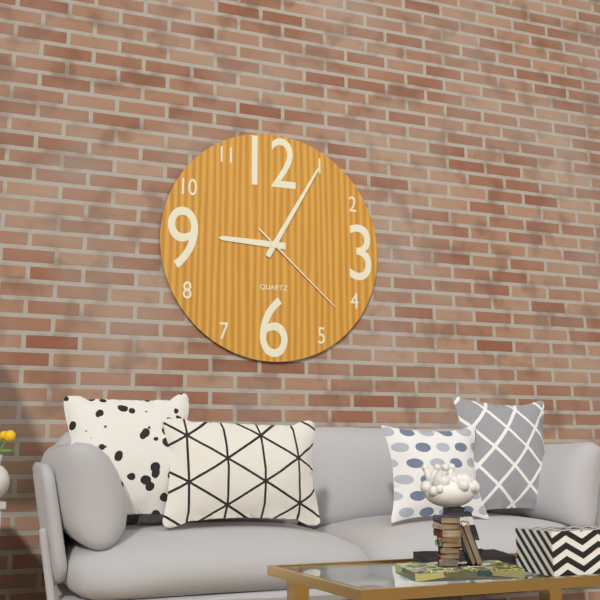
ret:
9:05:22
